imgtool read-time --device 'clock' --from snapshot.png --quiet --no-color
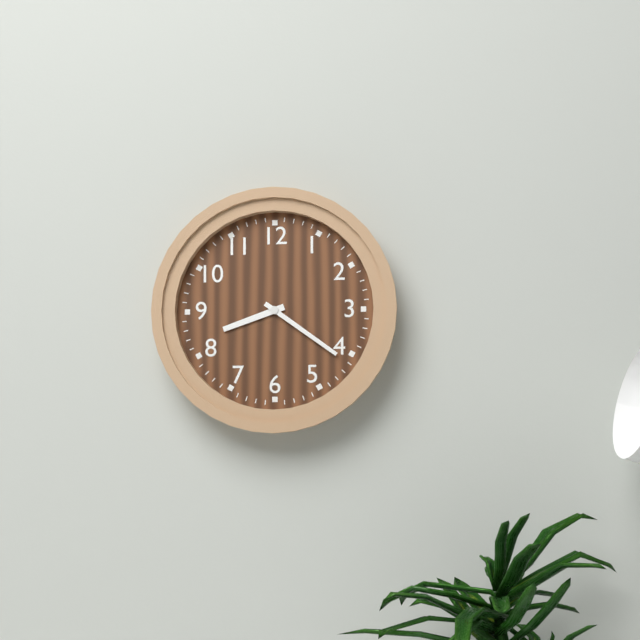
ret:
8:21
